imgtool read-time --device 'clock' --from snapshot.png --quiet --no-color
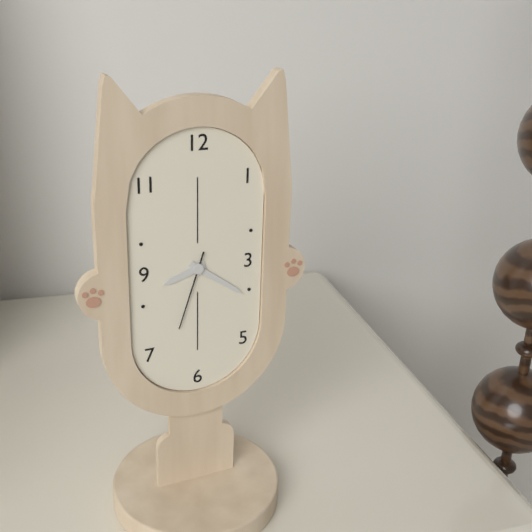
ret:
8:21:33
